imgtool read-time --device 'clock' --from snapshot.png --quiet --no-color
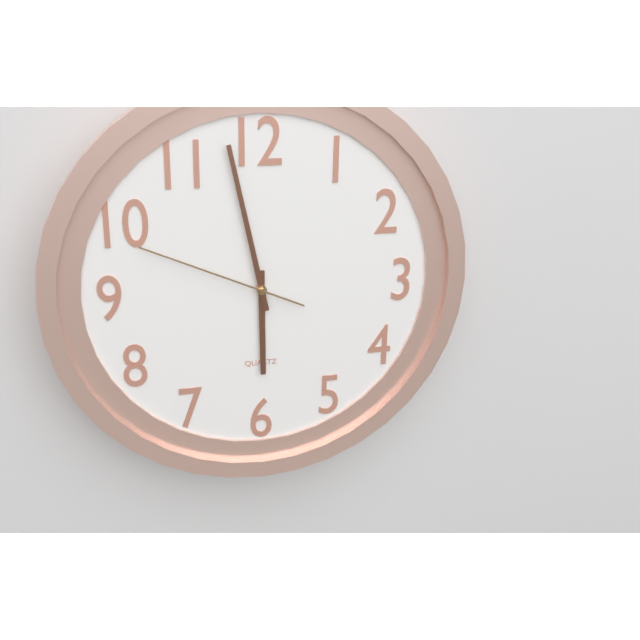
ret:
5:58:49
